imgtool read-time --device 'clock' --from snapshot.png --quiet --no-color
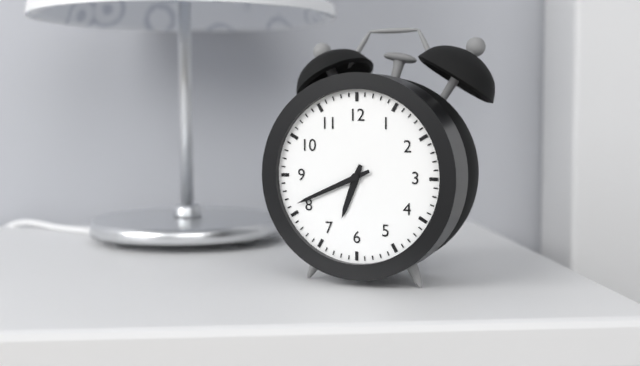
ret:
6:41
